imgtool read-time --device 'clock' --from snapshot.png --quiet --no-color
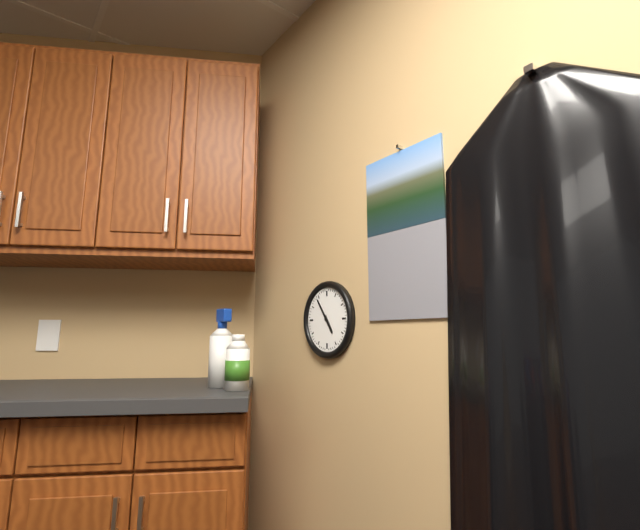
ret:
4:54
